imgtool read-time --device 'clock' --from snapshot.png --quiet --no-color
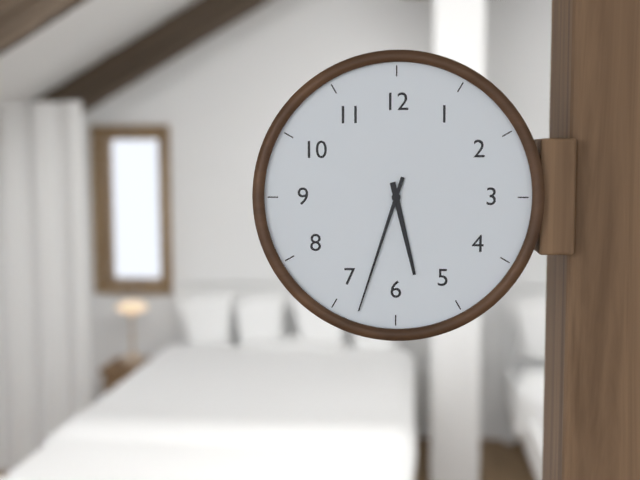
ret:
5:33
